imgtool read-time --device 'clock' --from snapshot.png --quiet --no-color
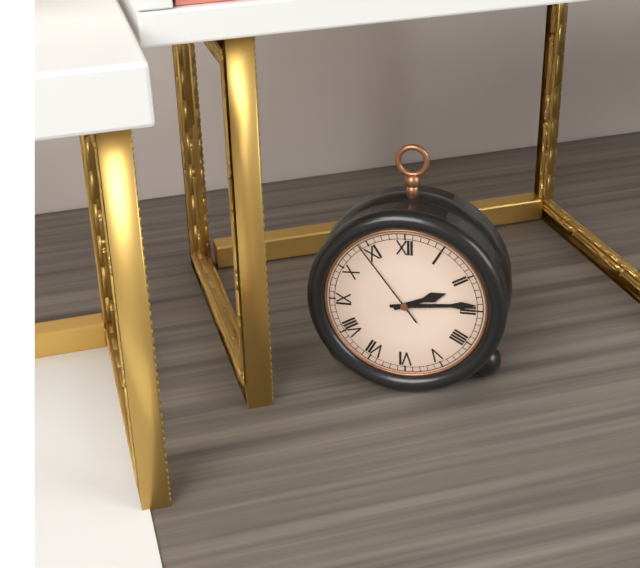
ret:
2:14:54
